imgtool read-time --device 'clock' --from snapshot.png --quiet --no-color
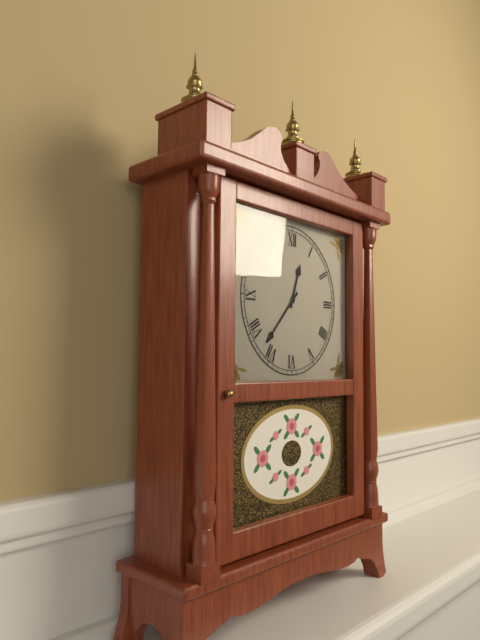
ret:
12:37
